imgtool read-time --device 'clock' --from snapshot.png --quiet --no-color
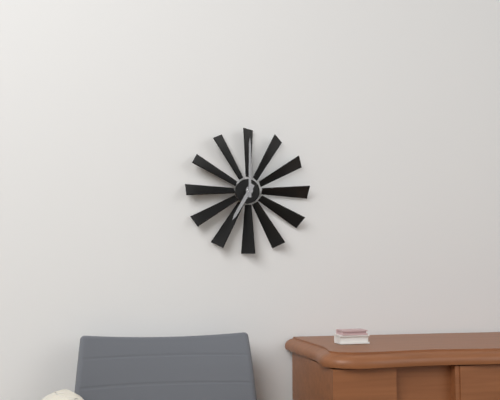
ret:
7:00
